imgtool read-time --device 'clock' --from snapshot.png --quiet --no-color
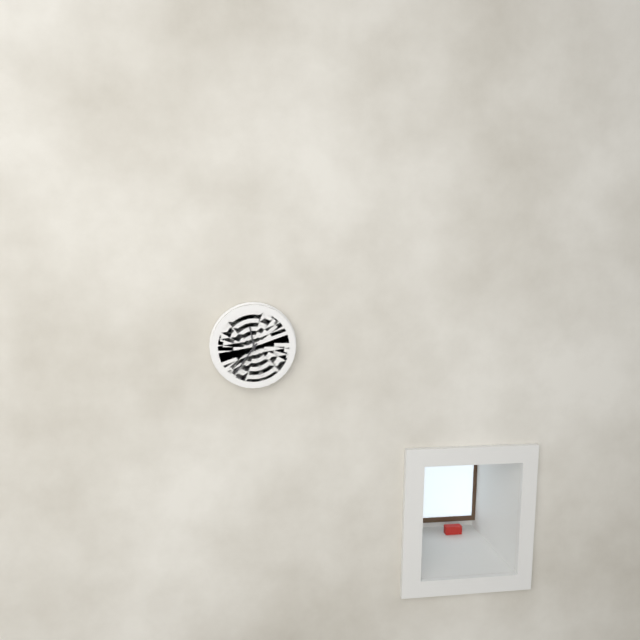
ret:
11:36
